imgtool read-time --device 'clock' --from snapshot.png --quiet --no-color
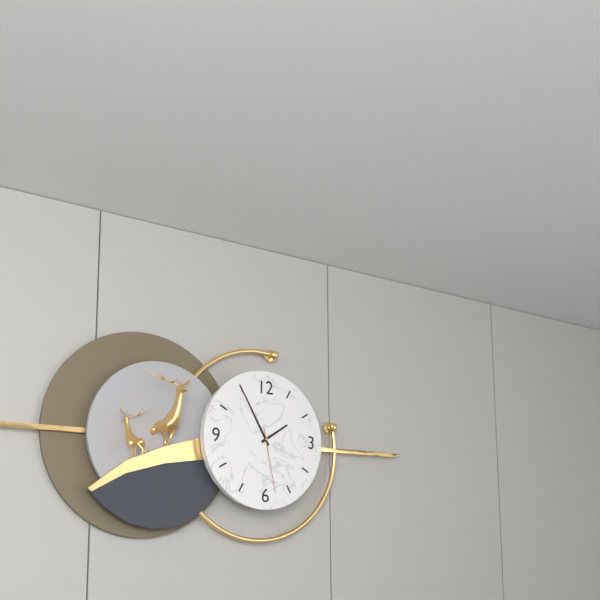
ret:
1:55:28
